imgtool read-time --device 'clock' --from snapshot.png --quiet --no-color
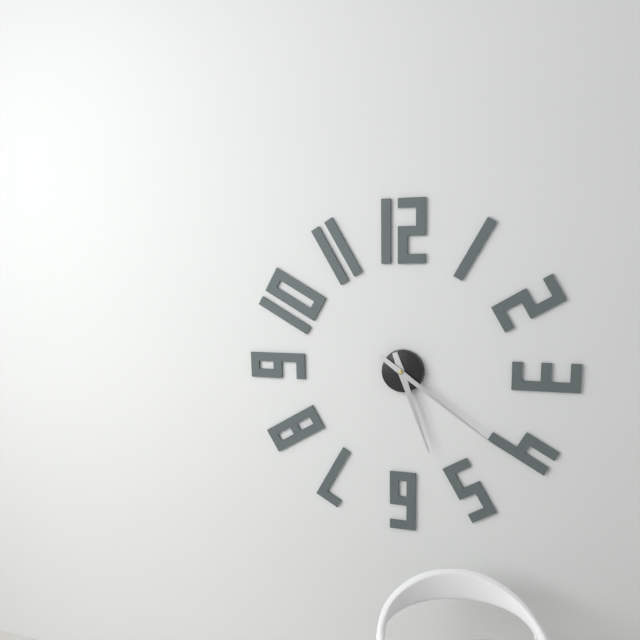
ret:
5:21
